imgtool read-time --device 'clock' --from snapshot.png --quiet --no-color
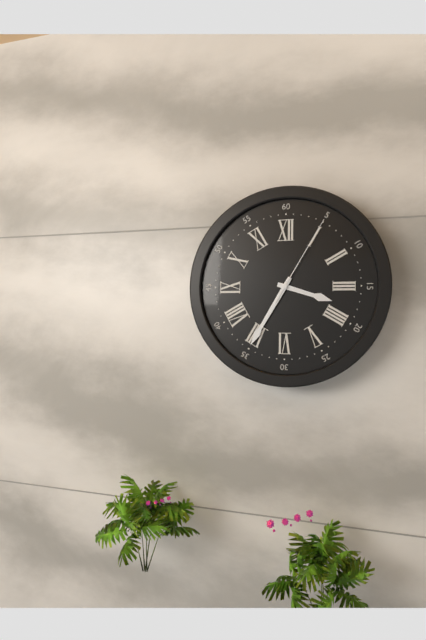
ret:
3:35:05
